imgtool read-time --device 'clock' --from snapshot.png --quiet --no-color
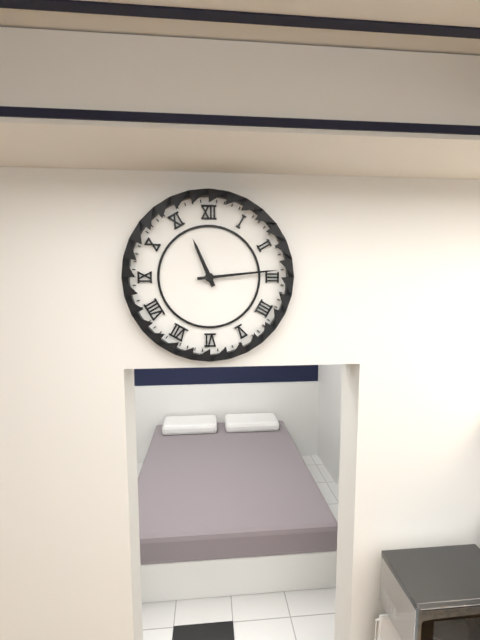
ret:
11:14
